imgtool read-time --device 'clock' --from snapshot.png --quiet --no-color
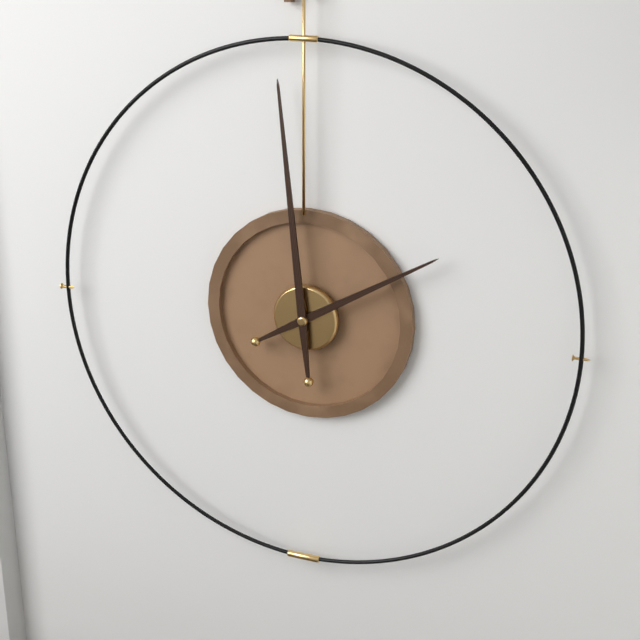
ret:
1:59
